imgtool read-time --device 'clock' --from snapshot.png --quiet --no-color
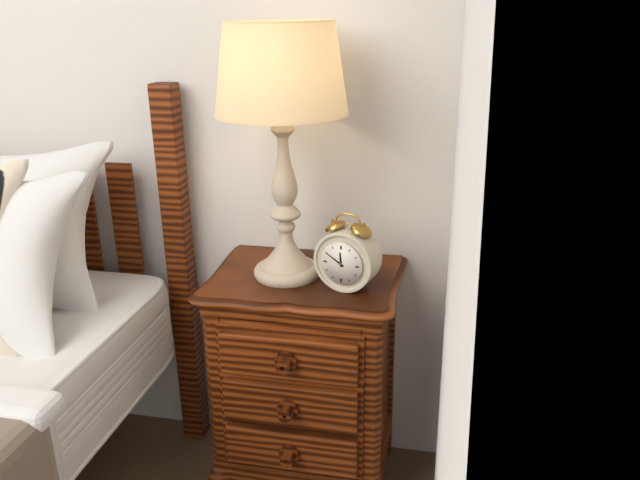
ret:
11:50
